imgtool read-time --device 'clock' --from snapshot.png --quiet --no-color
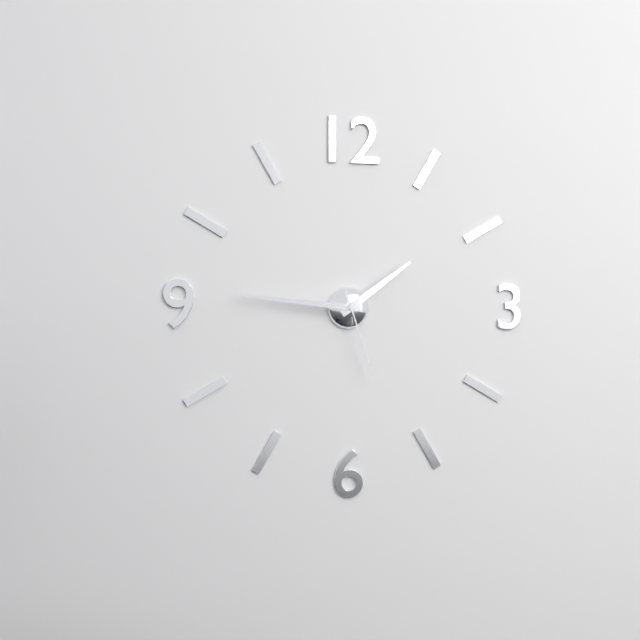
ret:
1:46:27
